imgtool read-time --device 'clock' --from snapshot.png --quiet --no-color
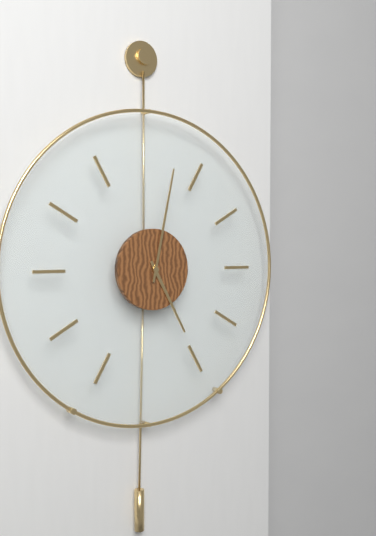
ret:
5:02
